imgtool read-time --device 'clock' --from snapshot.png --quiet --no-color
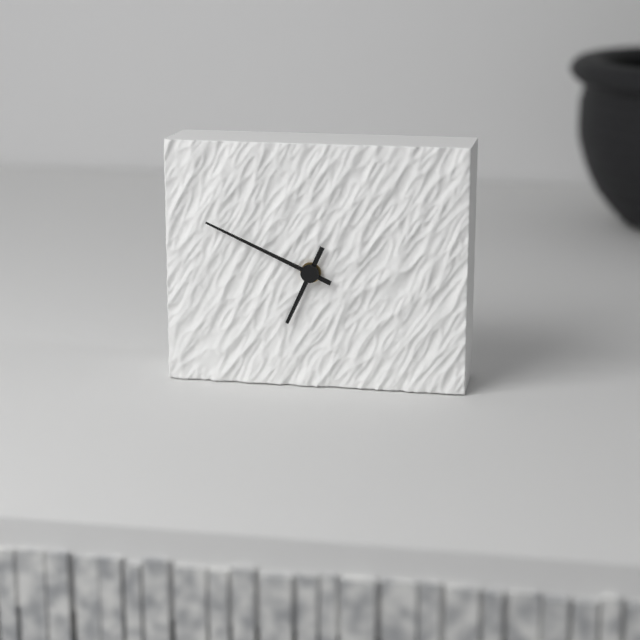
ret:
6:49
